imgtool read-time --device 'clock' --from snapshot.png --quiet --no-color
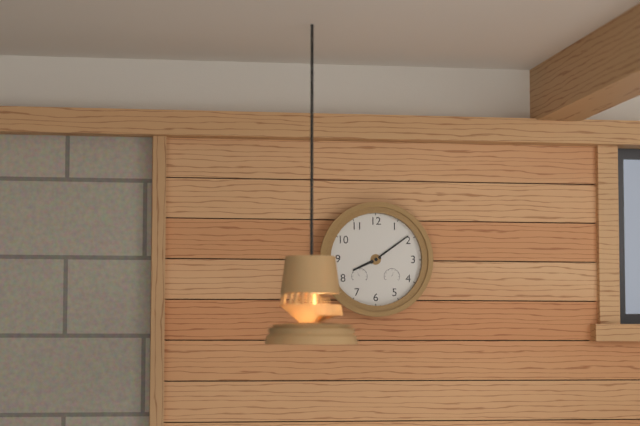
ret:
8:09
